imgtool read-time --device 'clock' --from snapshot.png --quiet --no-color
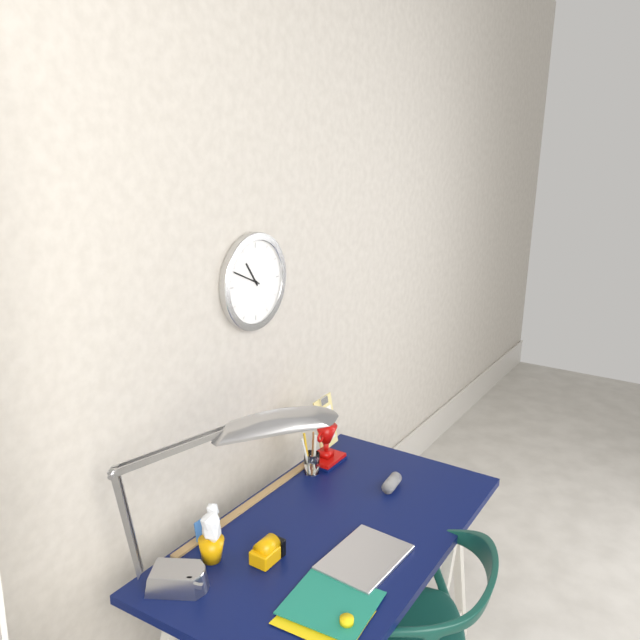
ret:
10:49
